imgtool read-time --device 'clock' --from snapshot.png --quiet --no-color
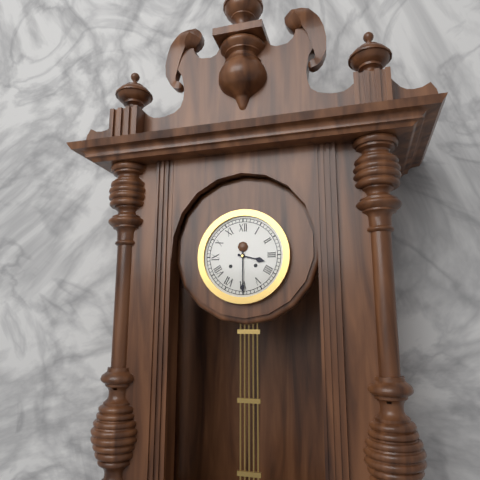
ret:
3:30
